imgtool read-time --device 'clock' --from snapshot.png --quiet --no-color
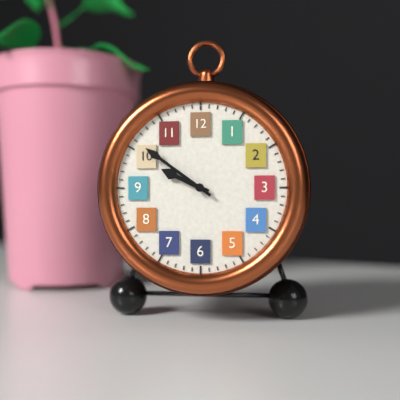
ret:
9:51
